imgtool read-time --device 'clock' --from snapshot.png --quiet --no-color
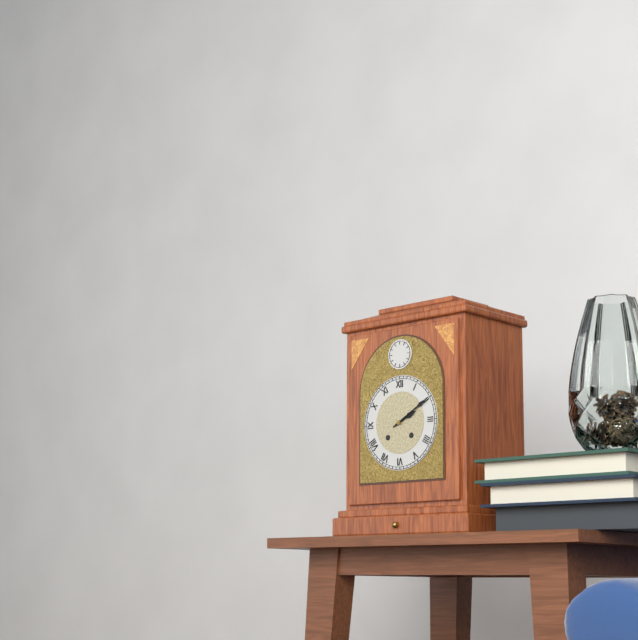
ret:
2:10
